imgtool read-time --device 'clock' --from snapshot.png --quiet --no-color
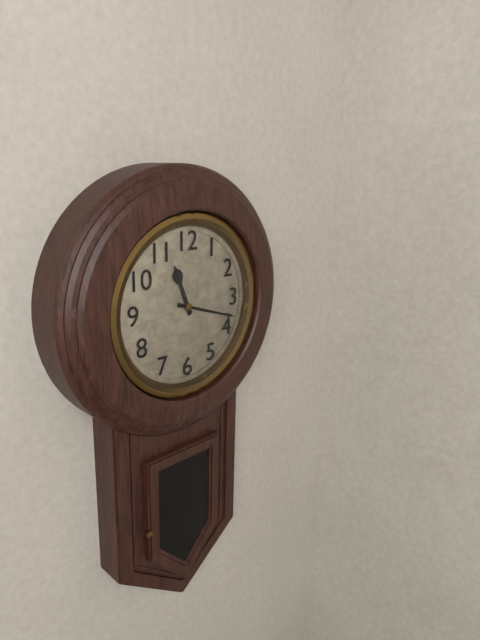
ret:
11:18
